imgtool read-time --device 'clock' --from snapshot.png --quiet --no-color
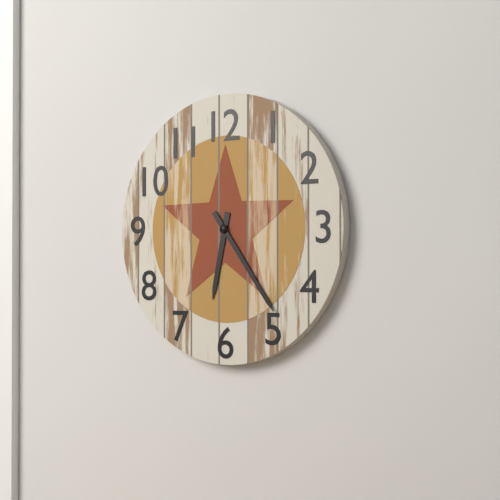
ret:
6:24
